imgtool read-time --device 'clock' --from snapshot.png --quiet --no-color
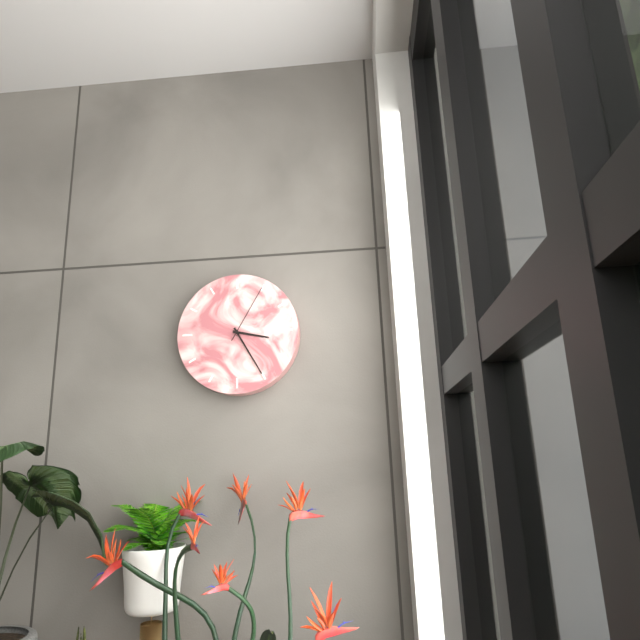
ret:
3:25:05
